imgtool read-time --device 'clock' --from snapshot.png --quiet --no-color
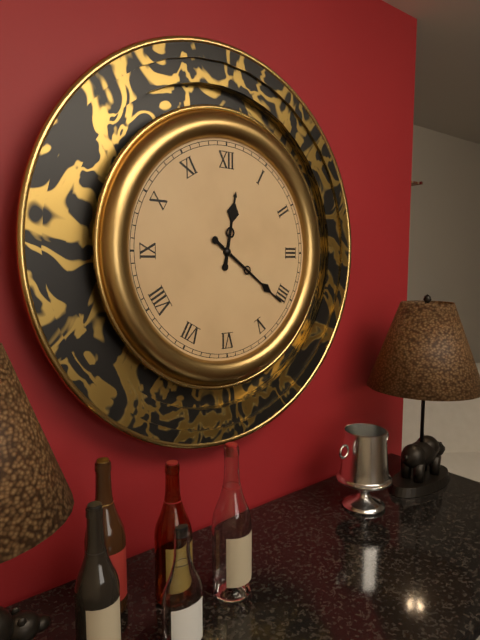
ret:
12:21
